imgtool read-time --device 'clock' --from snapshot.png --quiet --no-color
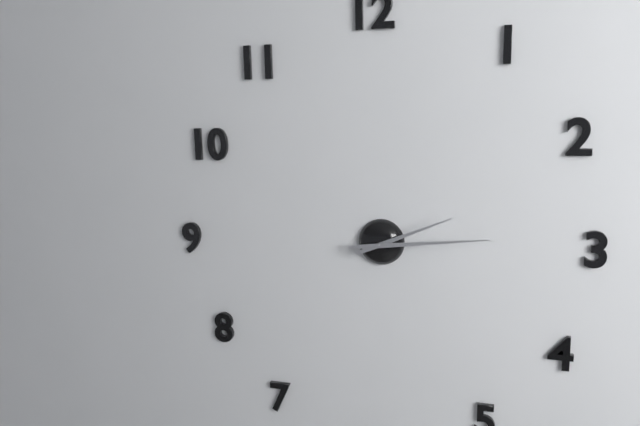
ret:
2:14
